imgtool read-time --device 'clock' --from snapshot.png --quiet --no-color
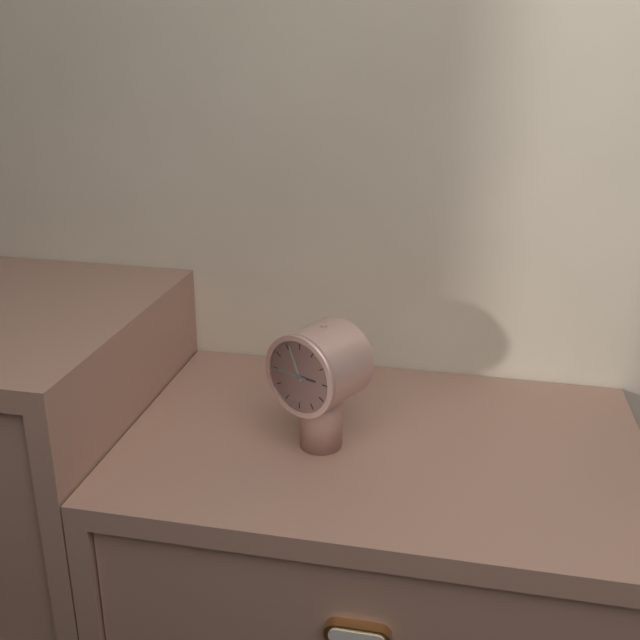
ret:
2:56
